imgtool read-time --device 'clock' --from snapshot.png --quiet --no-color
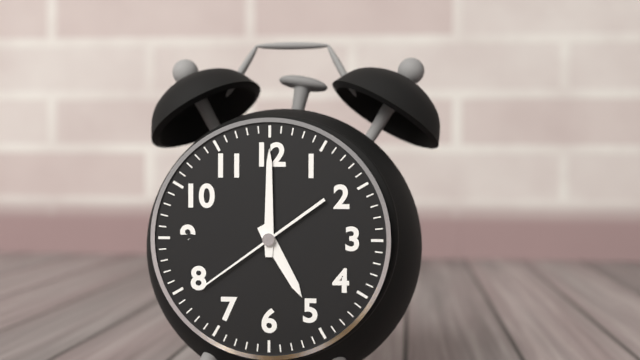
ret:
5:00:39
